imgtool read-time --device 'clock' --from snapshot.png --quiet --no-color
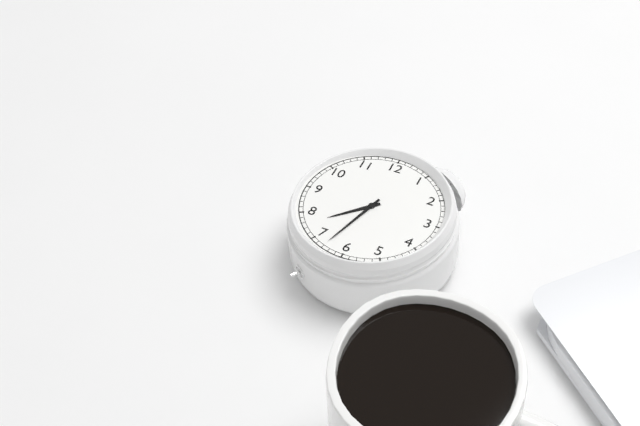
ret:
7:33
